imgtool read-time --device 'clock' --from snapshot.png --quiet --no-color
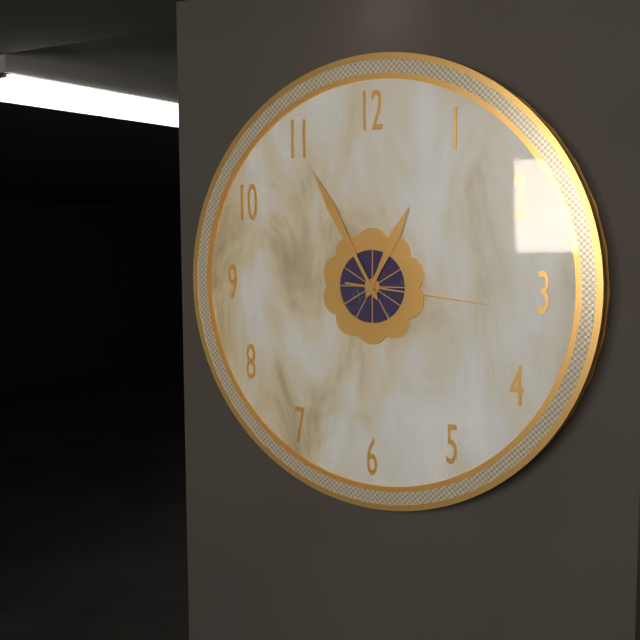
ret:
12:55:16
